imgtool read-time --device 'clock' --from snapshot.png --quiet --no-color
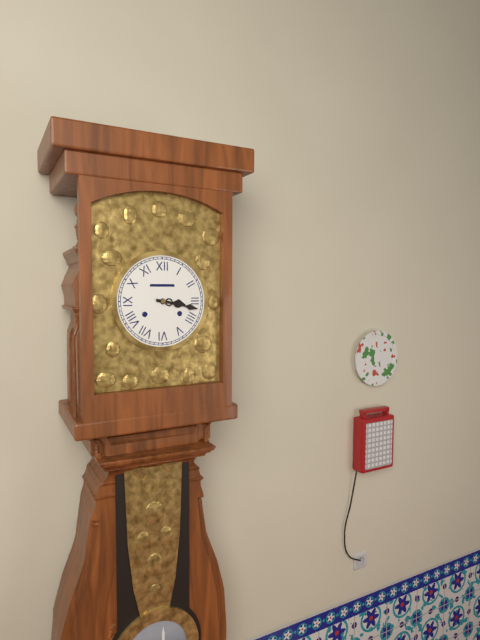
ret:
3:17
